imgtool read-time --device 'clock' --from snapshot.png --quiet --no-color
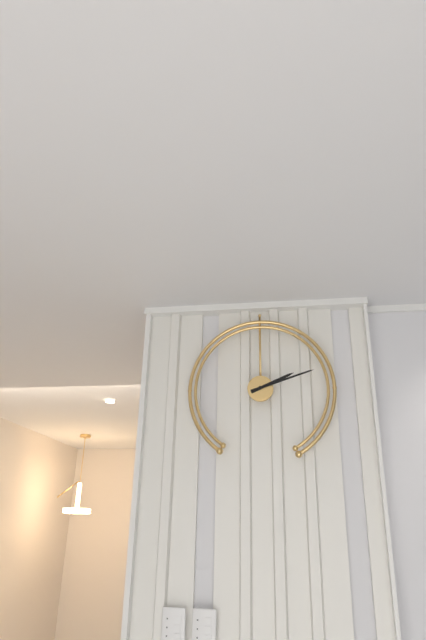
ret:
2:12
